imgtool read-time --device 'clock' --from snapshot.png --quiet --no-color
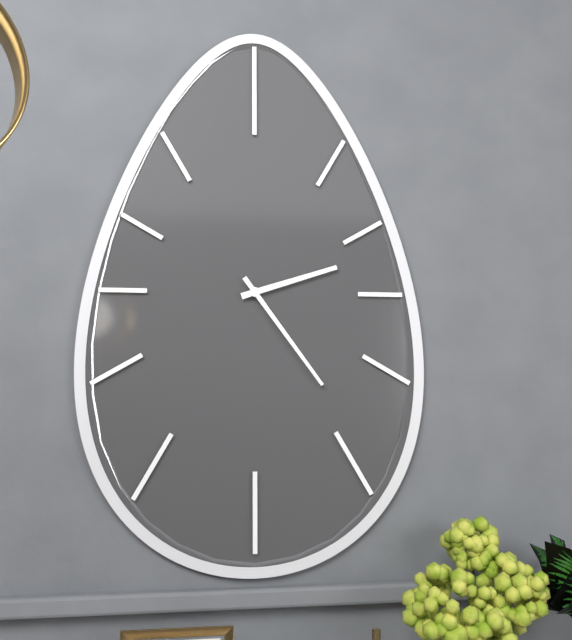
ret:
2:24
